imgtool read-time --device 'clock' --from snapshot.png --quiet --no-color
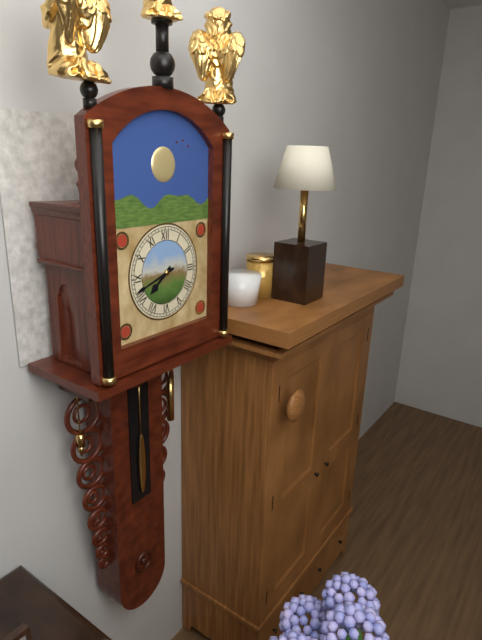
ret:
7:42
